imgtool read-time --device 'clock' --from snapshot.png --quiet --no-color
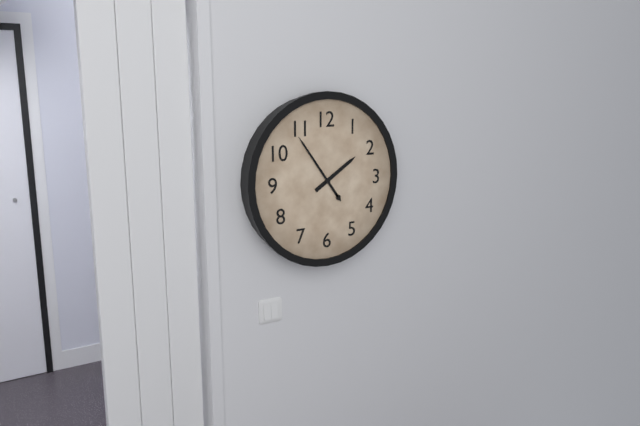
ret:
1:54
